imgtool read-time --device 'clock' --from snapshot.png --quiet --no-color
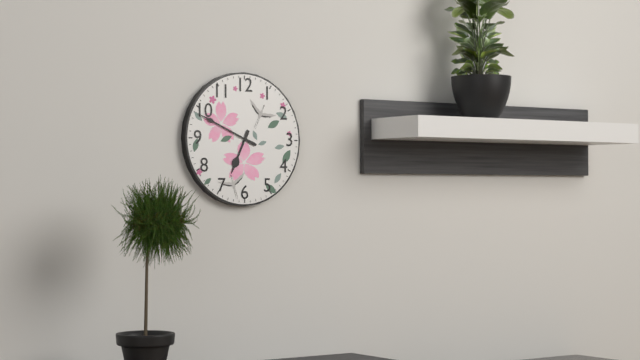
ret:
6:49
